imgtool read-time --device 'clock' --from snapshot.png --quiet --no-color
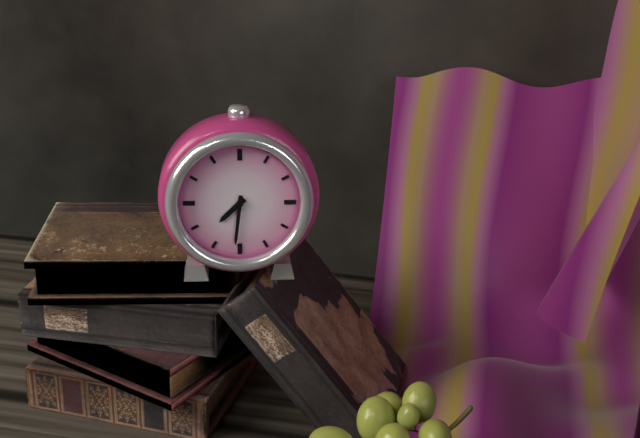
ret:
7:31
